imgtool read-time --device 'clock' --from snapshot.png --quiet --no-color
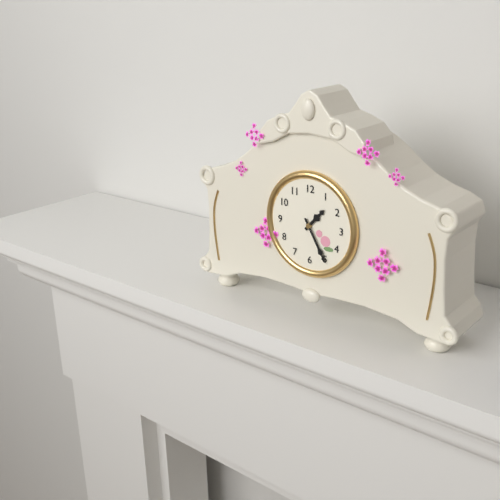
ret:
1:25
